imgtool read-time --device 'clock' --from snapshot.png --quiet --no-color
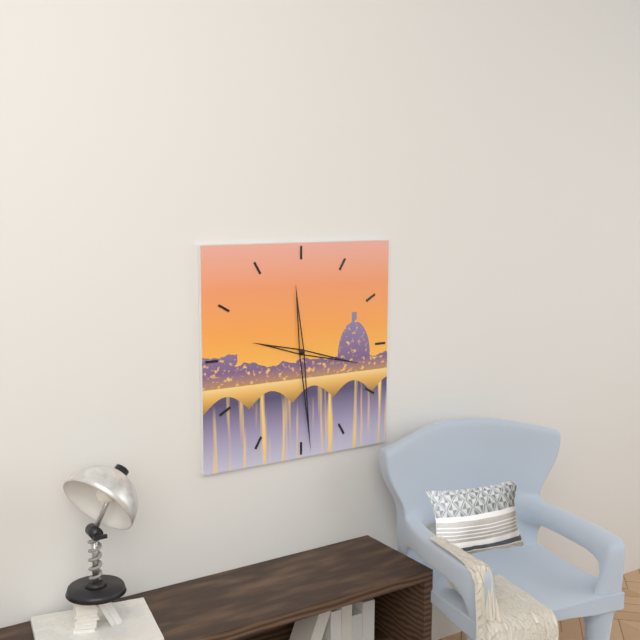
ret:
3:29
